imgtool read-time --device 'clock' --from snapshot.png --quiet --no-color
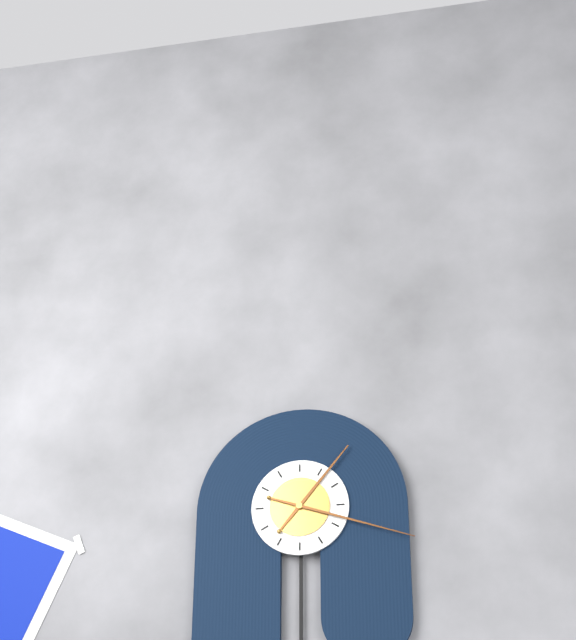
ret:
1:18
